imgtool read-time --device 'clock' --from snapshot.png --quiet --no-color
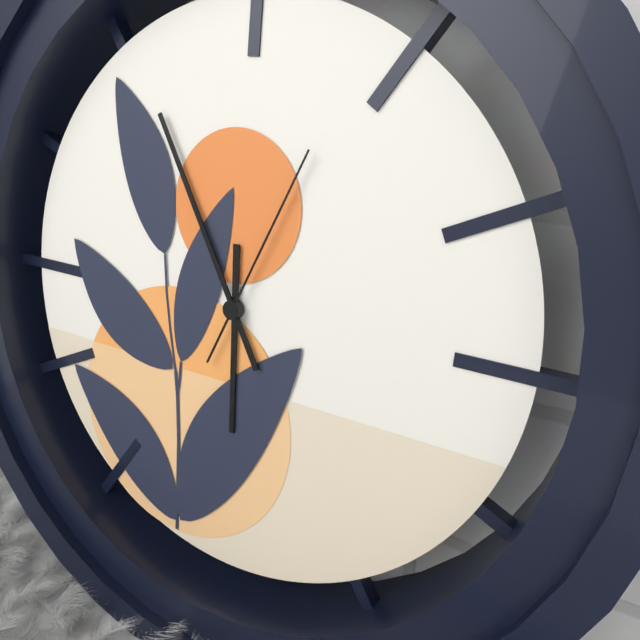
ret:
5:55:04
